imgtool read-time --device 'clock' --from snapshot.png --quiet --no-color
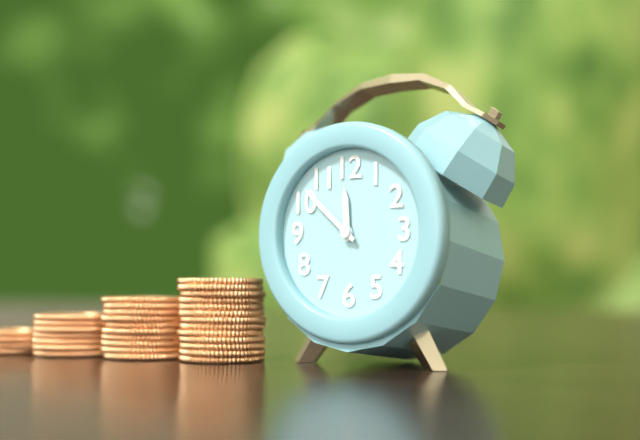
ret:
11:52
